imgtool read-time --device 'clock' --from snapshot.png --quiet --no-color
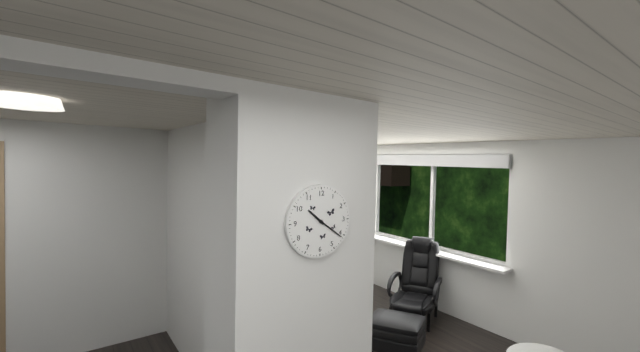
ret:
10:21
